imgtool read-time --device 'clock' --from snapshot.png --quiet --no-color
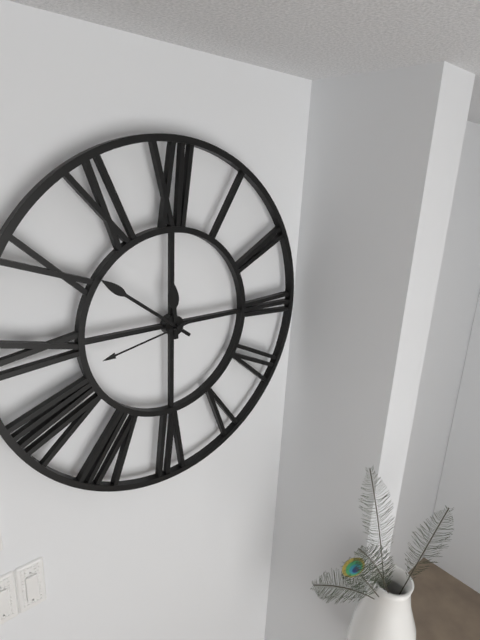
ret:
11:51:43
